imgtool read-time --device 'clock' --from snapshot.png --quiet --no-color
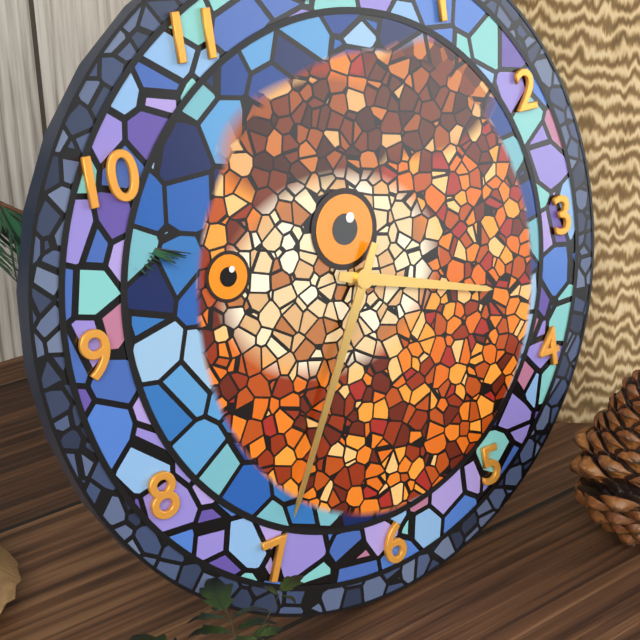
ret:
3:35
